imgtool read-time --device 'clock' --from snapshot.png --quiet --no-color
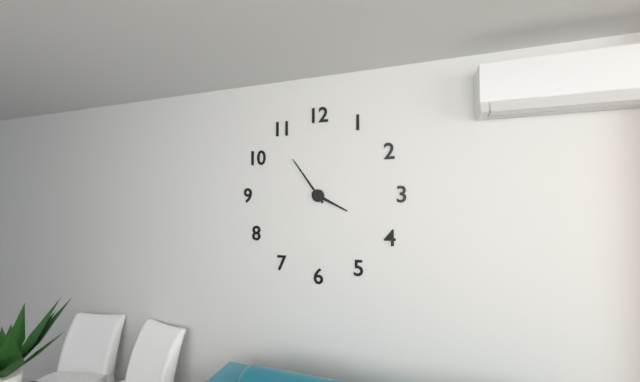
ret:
3:54
